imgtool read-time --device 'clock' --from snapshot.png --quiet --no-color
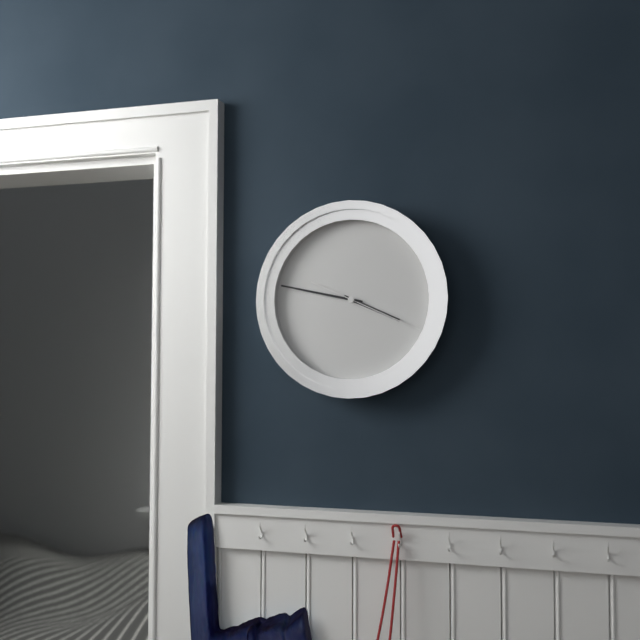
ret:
3:47:19
